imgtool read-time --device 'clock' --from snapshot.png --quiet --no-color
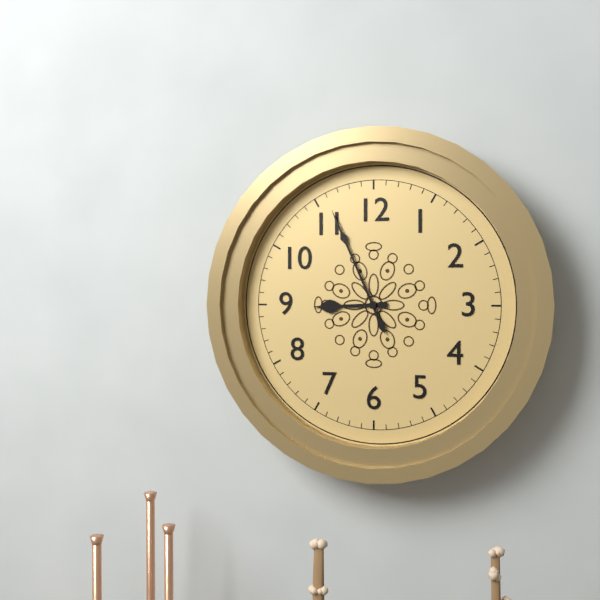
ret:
8:56
